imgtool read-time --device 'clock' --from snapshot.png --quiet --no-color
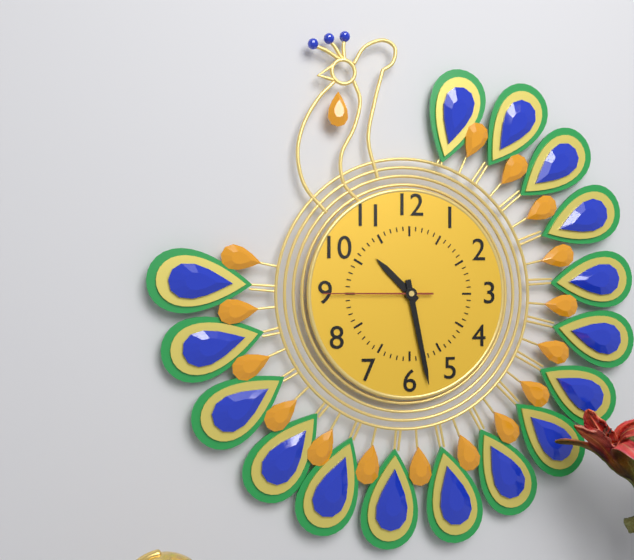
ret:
10:28:45
